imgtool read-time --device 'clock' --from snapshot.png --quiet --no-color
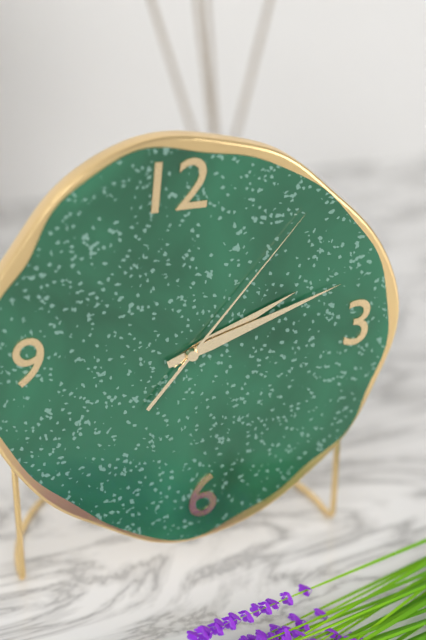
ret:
2:12:07
